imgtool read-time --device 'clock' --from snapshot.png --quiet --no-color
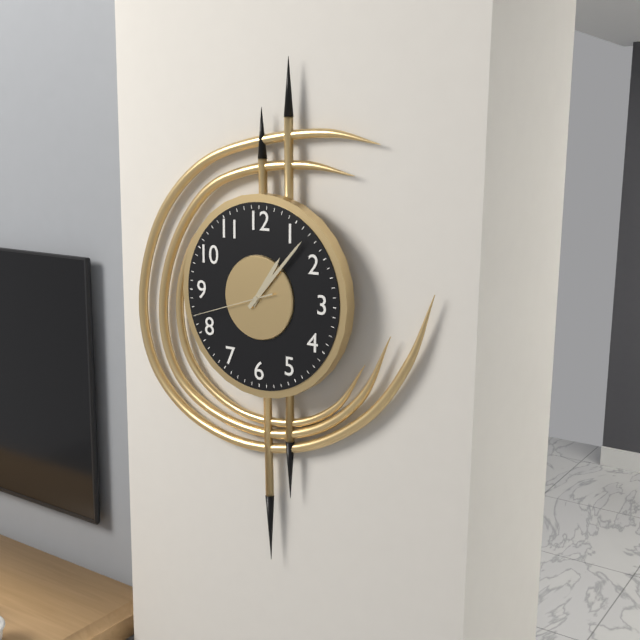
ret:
1:07:42
